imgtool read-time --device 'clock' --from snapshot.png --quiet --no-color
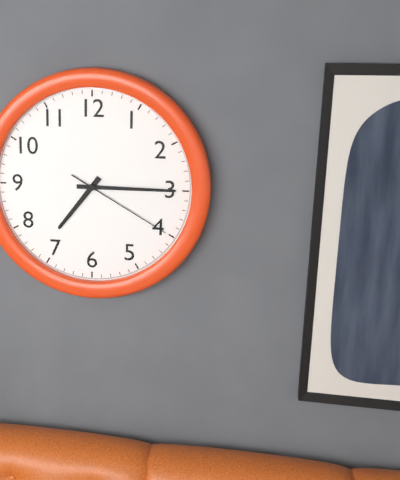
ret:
7:15:20
